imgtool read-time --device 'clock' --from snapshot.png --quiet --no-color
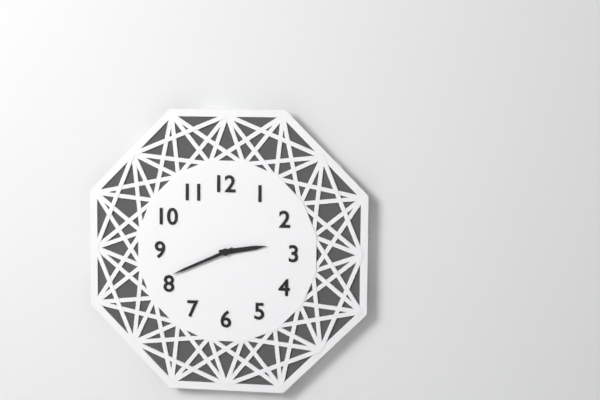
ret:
2:41
